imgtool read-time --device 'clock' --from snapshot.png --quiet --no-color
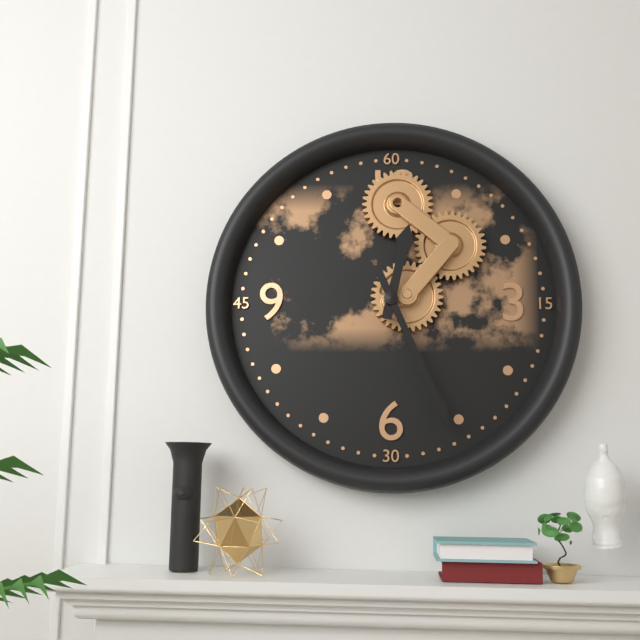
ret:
12:26
